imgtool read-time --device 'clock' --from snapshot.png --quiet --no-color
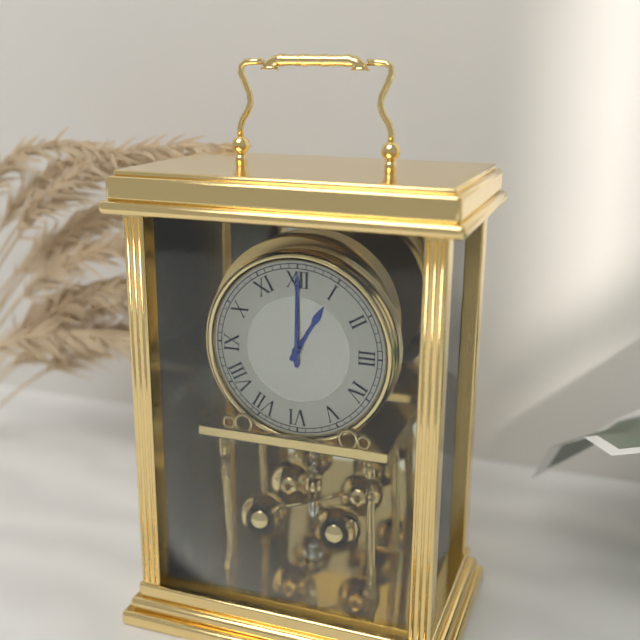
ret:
1:00
